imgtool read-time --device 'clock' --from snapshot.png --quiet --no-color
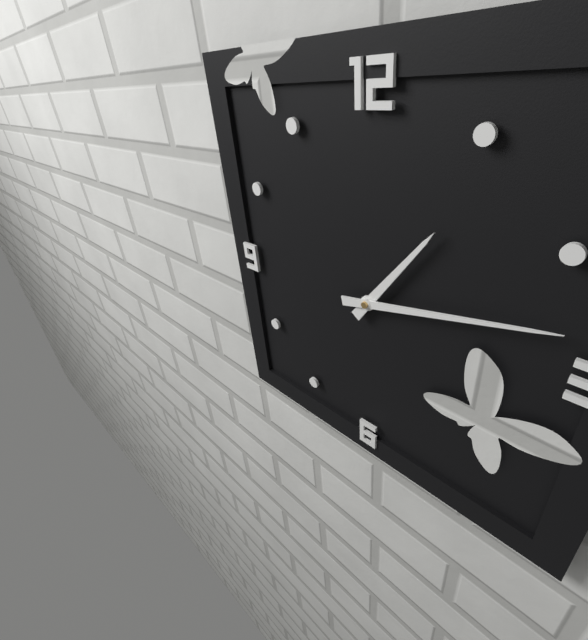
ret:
1:13
